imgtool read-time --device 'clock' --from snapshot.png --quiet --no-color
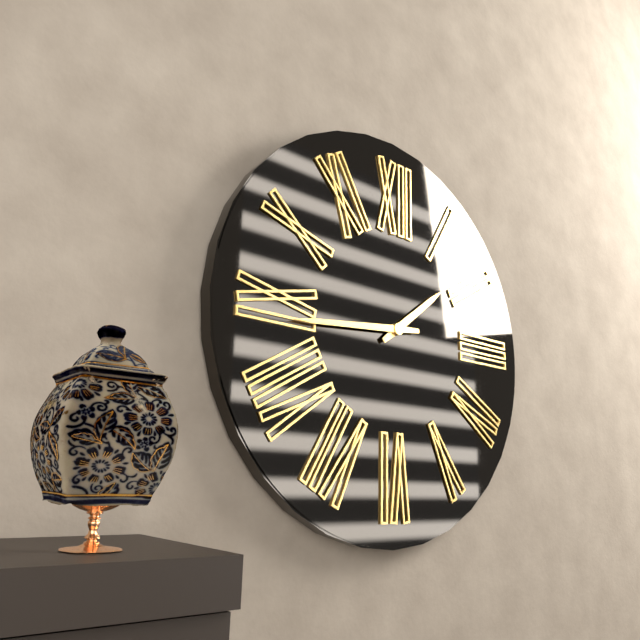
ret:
1:44
